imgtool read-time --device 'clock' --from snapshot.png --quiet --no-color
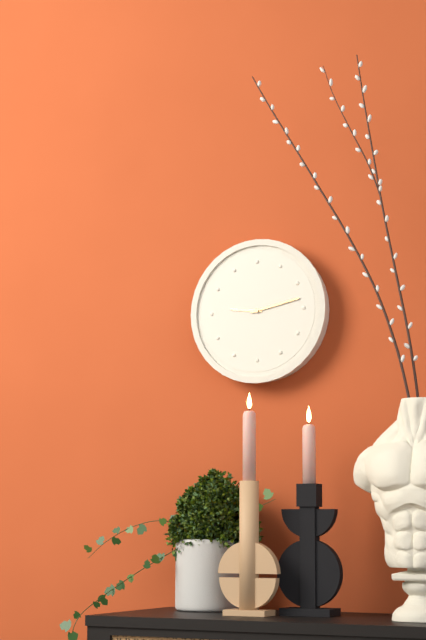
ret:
9:13
